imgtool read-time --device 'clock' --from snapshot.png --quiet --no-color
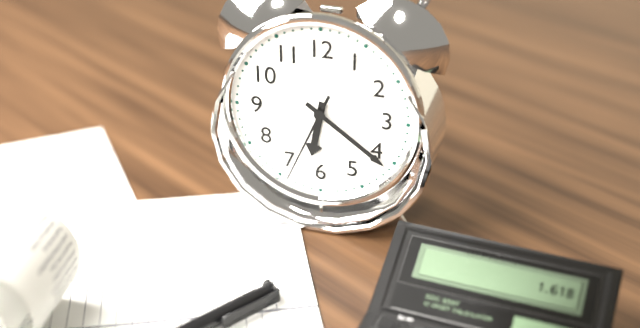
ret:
6:21:34
